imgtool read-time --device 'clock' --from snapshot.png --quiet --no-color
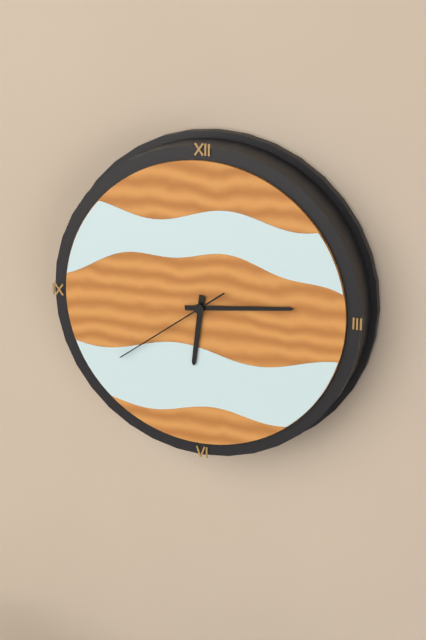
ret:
6:14:39
